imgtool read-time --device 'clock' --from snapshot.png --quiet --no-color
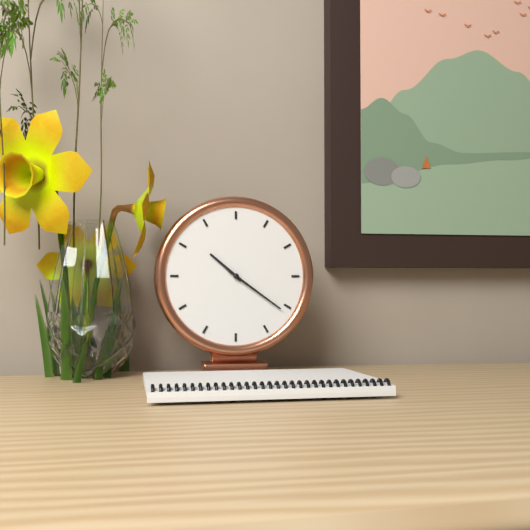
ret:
10:21
